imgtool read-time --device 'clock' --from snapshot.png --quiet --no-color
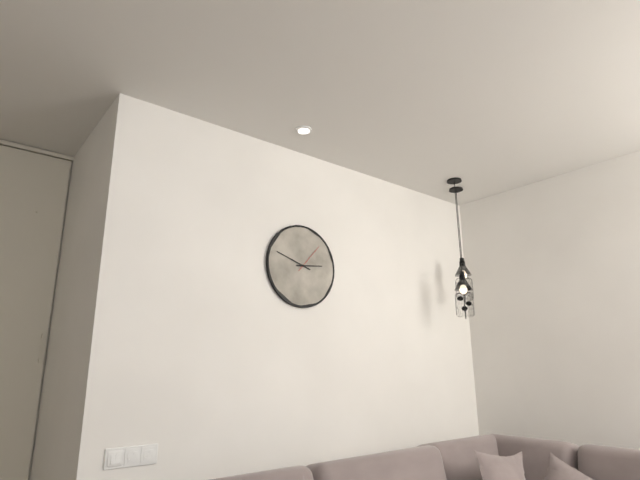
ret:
2:48
